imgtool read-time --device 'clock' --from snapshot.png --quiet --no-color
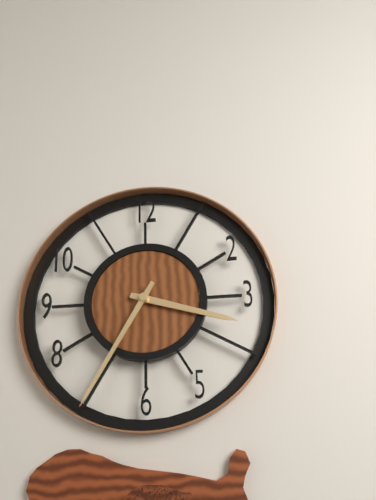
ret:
3:35
